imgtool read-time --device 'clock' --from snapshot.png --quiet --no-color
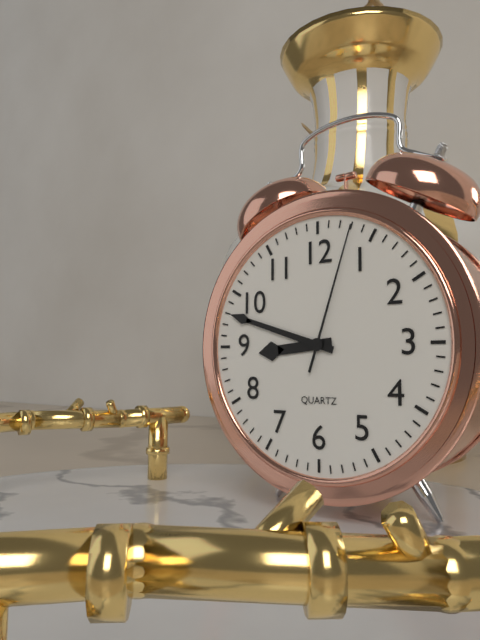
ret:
8:48:03
